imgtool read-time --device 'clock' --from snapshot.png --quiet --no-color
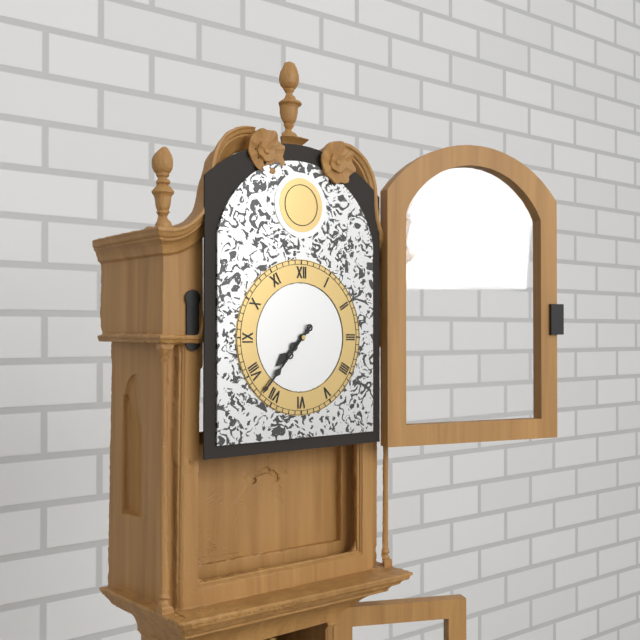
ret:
7:37
